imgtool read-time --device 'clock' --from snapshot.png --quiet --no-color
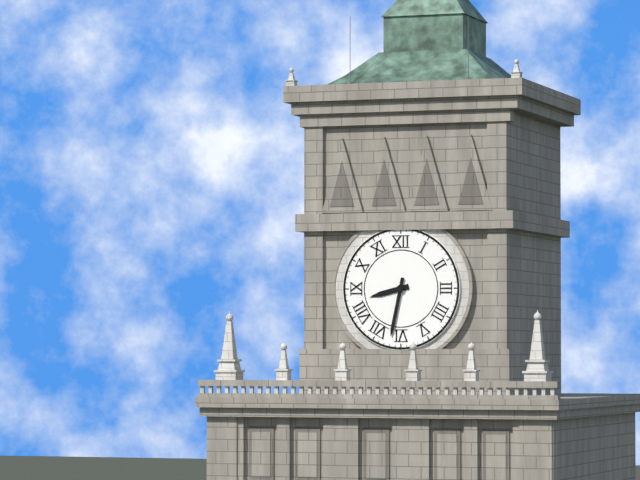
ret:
8:32
